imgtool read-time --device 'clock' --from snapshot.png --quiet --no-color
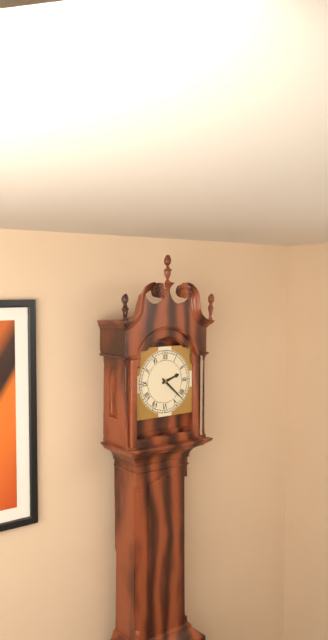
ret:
2:22
